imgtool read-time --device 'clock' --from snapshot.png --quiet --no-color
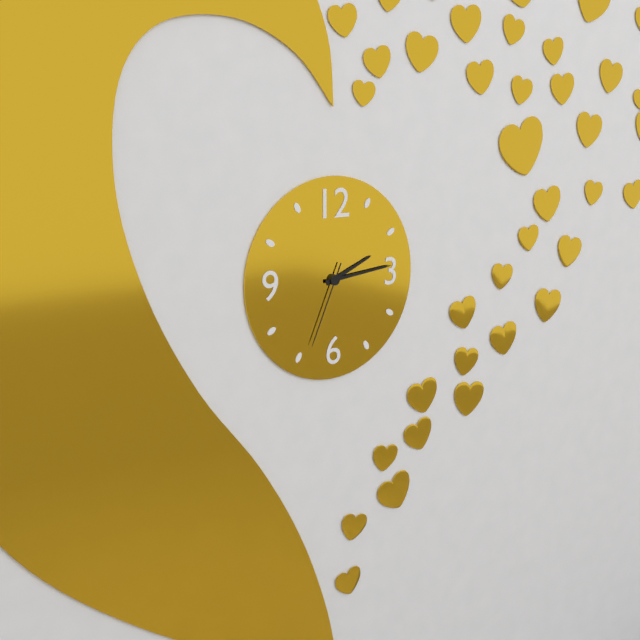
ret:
2:14:34
